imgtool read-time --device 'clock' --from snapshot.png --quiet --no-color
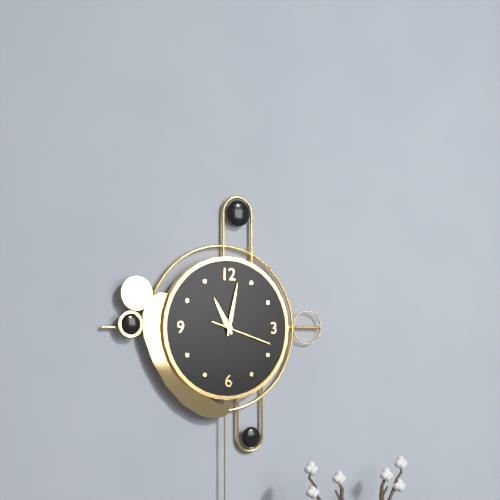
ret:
11:02:18
